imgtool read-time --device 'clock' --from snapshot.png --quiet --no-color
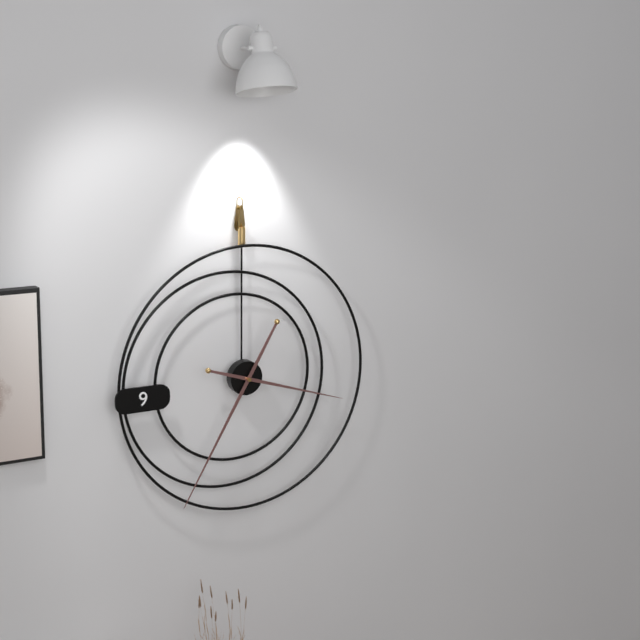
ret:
3:35
